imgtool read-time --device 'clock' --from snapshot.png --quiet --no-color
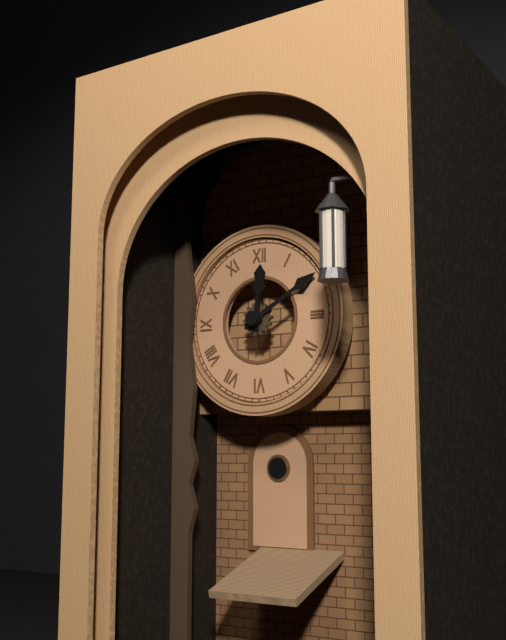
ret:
12:10
